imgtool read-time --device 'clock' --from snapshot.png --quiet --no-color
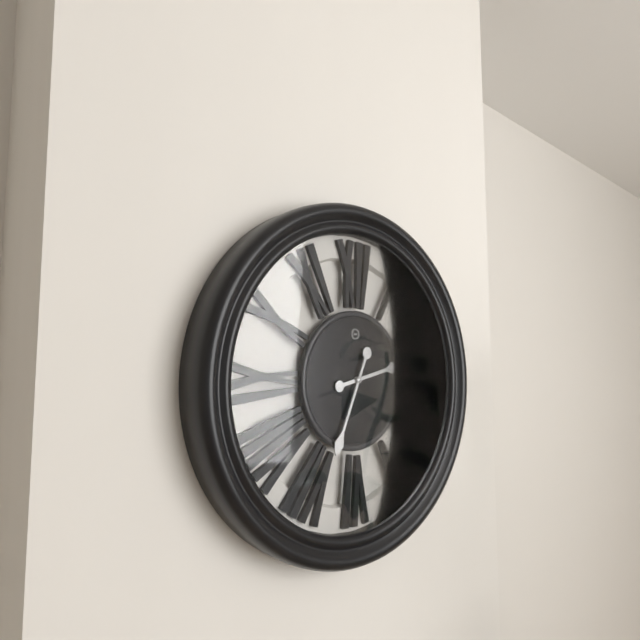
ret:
2:34
